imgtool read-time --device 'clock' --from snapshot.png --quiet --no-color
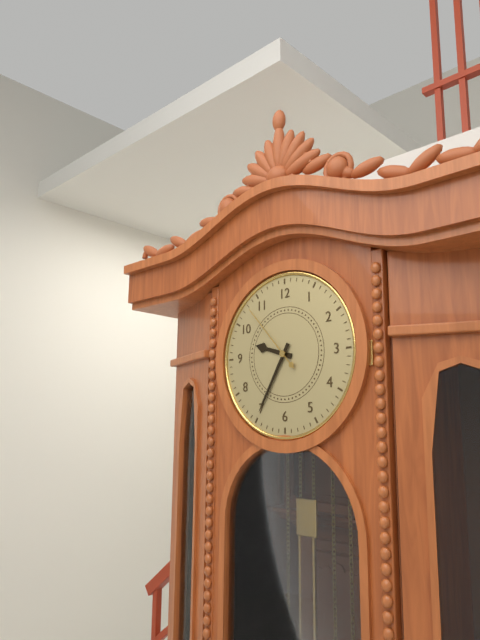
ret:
9:35:53
